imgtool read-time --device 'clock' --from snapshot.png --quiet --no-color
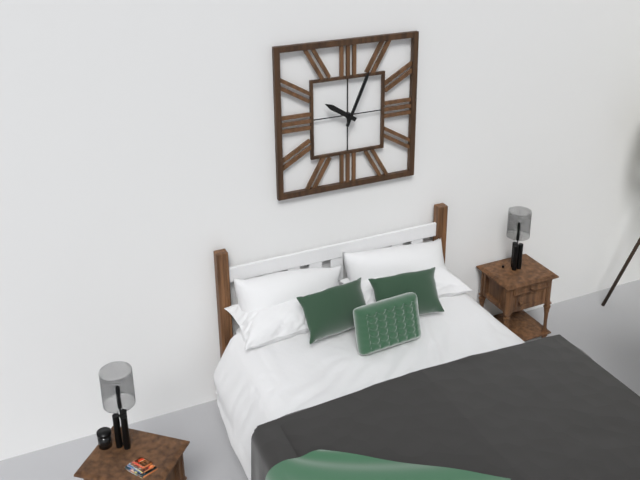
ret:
10:04
